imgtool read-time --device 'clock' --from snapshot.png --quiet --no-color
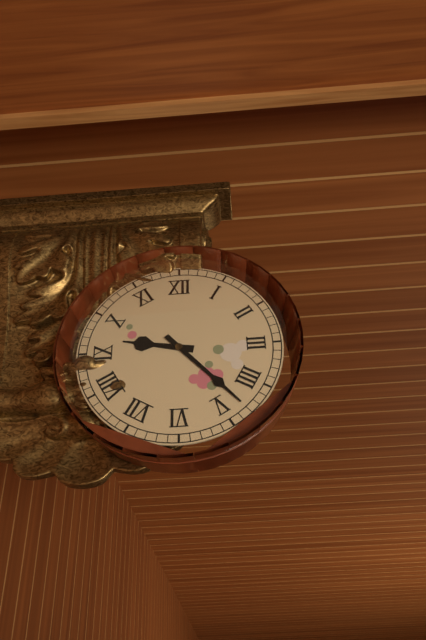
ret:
9:23
